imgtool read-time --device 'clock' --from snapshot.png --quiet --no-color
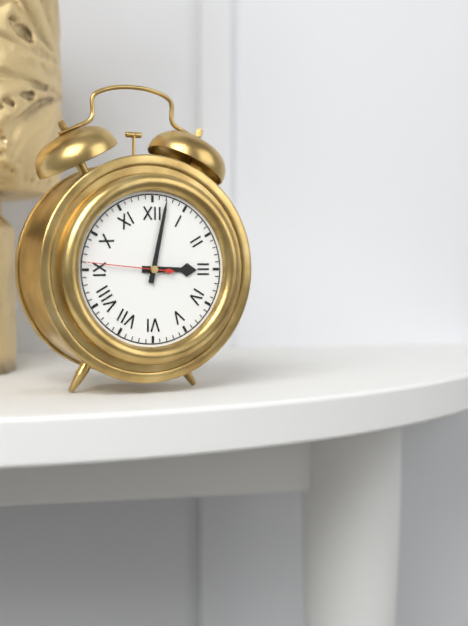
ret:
3:02:46
